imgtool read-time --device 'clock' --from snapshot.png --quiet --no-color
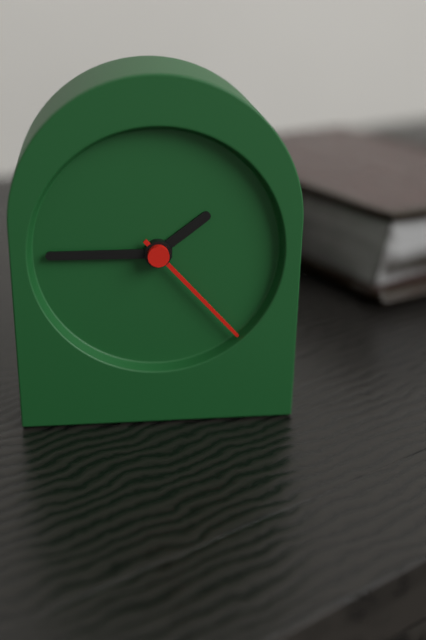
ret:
1:45:23
